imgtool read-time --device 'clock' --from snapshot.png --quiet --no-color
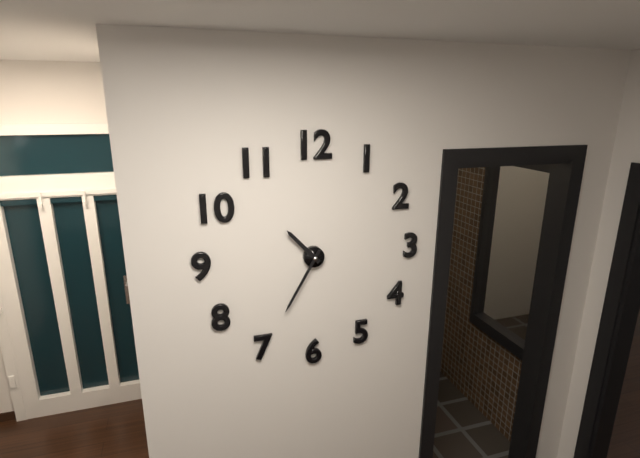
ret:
10:35
